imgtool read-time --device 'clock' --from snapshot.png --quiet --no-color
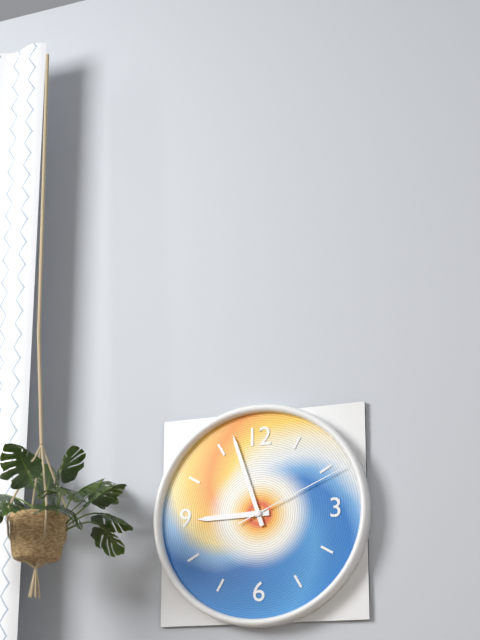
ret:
8:57:11
